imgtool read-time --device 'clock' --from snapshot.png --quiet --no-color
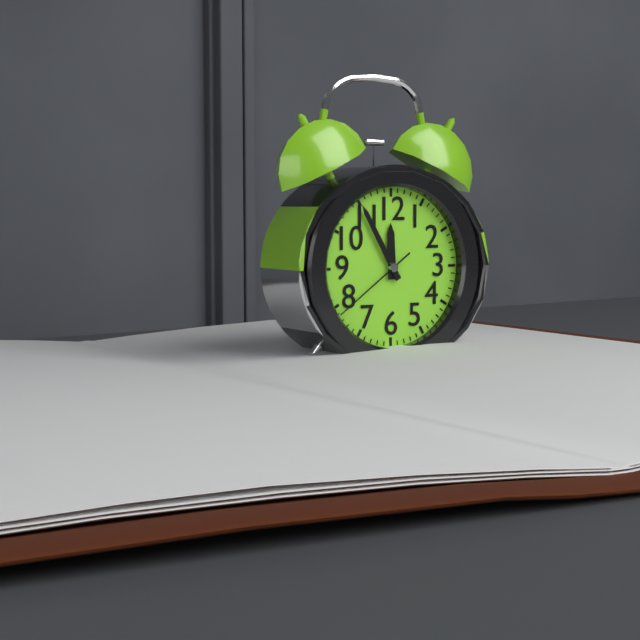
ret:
11:55:39
